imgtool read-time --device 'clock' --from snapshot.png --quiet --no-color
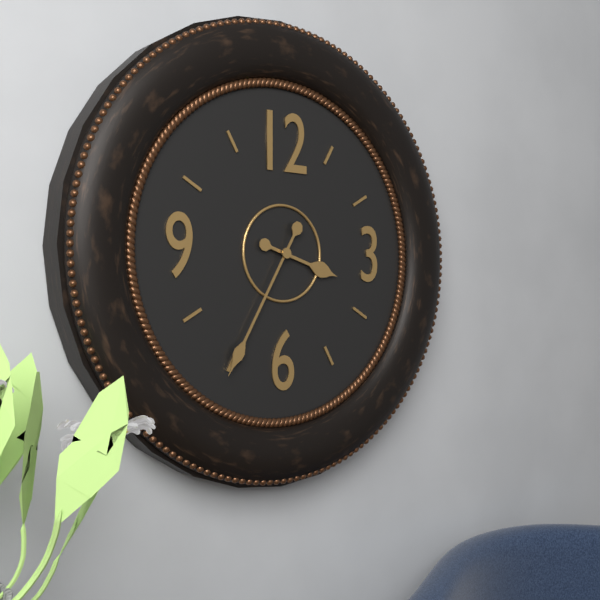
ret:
3:35
